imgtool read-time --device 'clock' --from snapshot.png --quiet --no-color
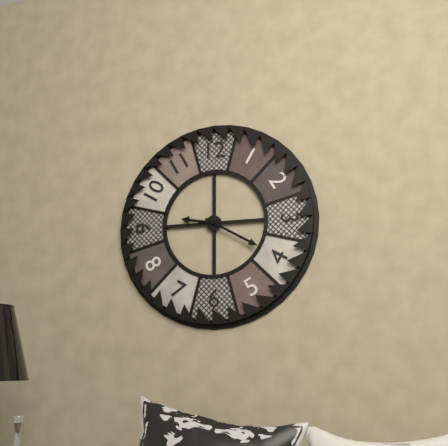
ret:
9:20
